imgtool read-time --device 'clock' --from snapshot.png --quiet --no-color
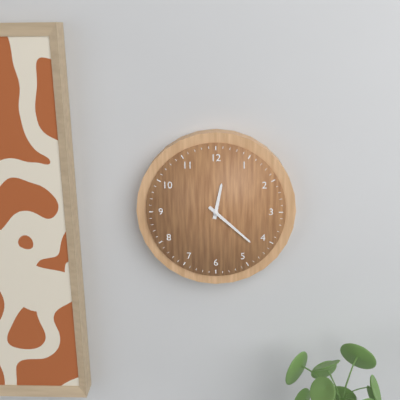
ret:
12:22
